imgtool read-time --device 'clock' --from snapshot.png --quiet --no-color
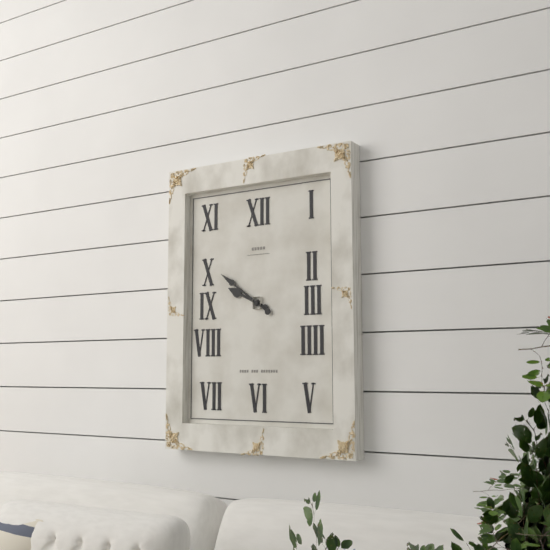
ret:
9:51
